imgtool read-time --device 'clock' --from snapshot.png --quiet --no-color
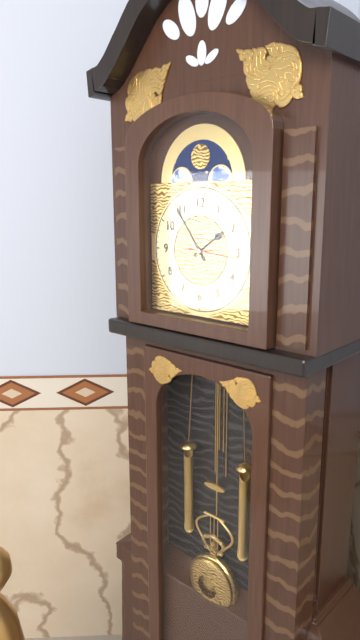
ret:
1:54:16
